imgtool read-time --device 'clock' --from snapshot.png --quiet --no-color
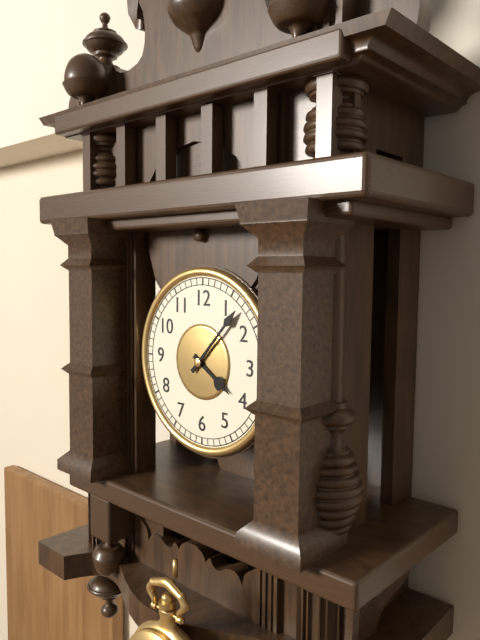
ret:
4:07
